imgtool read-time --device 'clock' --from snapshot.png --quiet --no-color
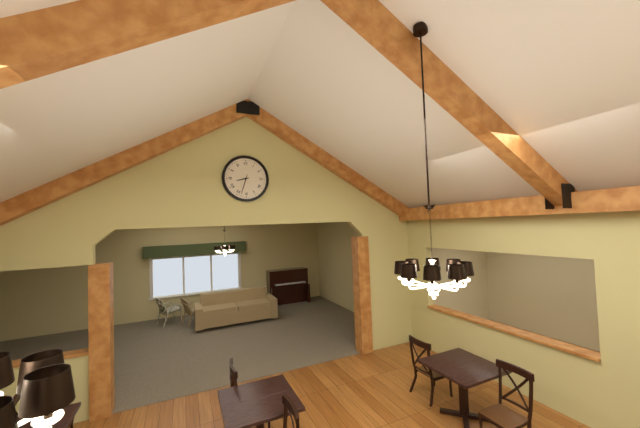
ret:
8:33
